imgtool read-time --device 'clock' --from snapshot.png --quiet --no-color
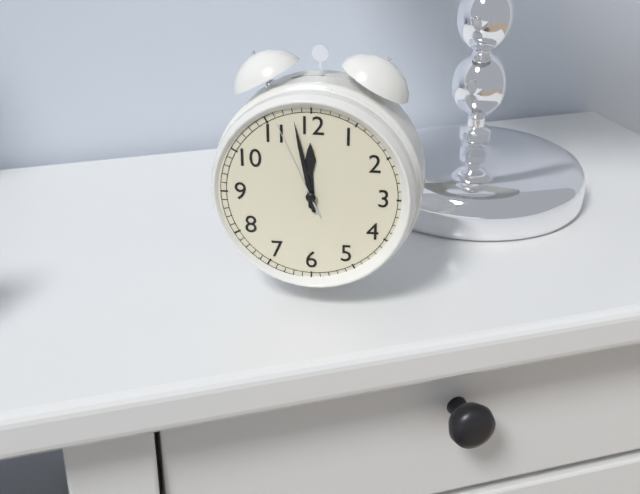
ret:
11:58:56
